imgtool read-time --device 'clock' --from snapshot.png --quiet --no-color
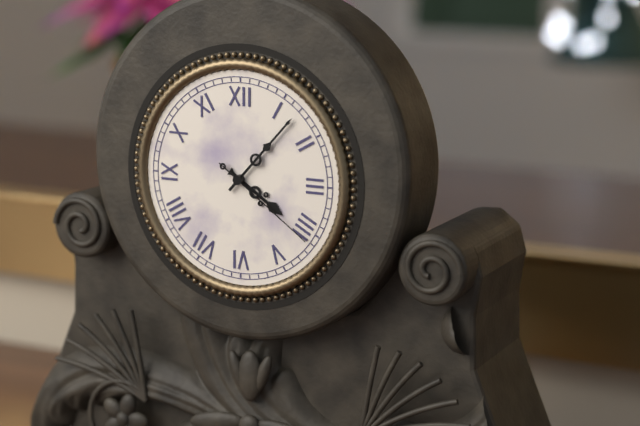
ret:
4:07:21
